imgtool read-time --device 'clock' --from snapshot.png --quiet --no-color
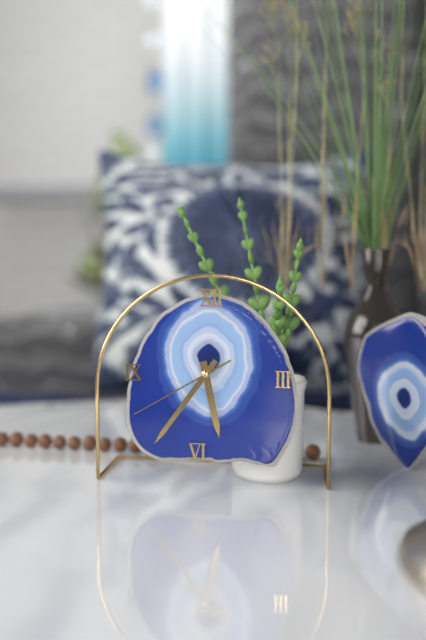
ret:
5:36:40
